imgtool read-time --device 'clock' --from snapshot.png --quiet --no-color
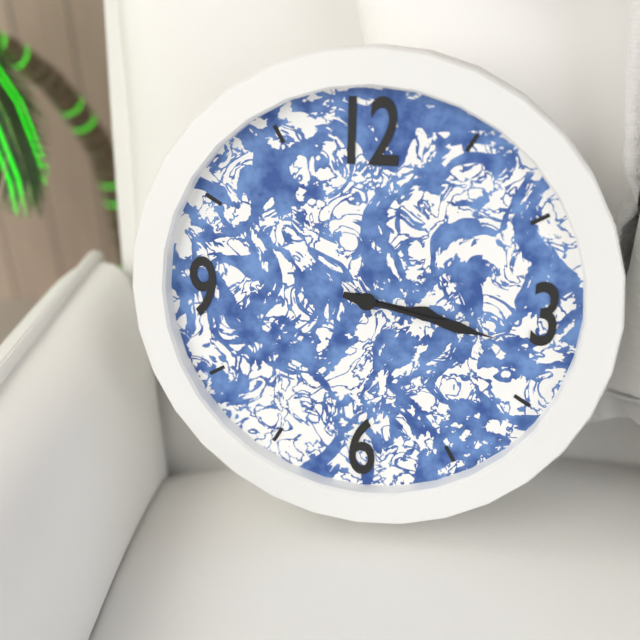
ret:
3:17
